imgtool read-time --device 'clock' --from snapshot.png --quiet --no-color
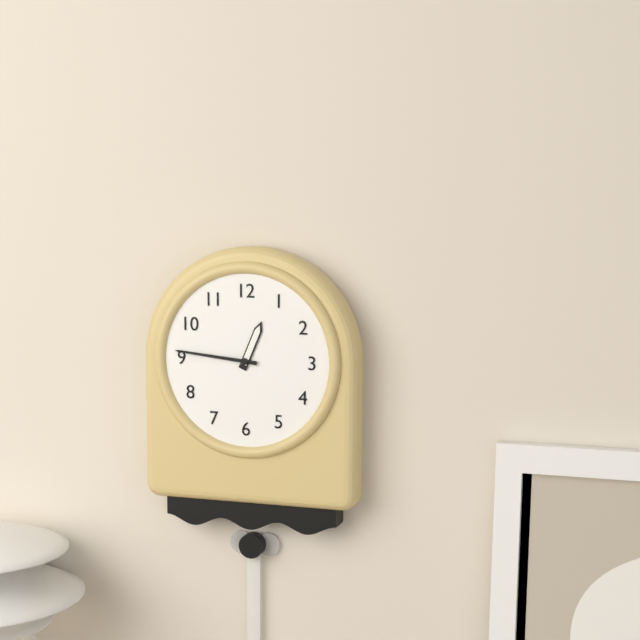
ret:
12:46
